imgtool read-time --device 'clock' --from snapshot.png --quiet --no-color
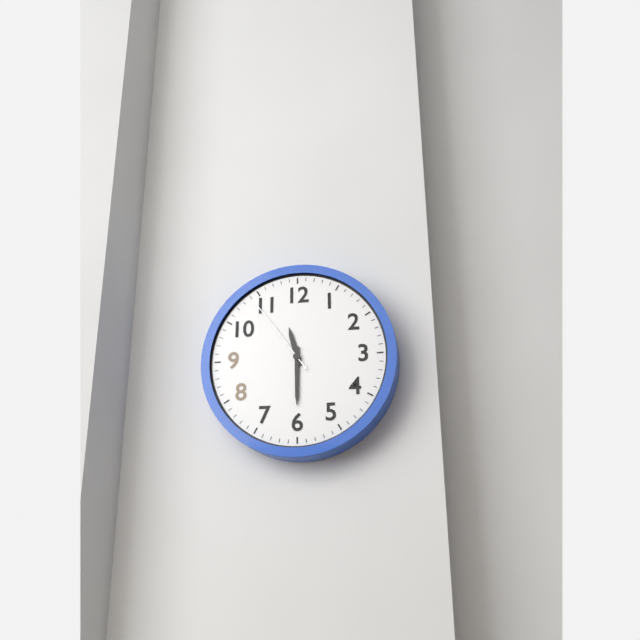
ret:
11:30:54
